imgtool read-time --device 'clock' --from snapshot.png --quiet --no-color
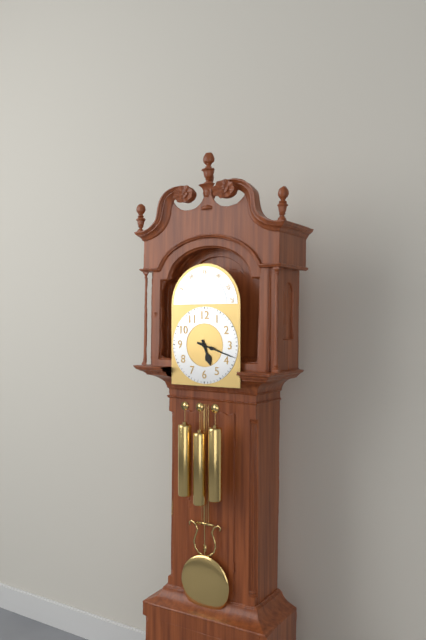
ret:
5:18
